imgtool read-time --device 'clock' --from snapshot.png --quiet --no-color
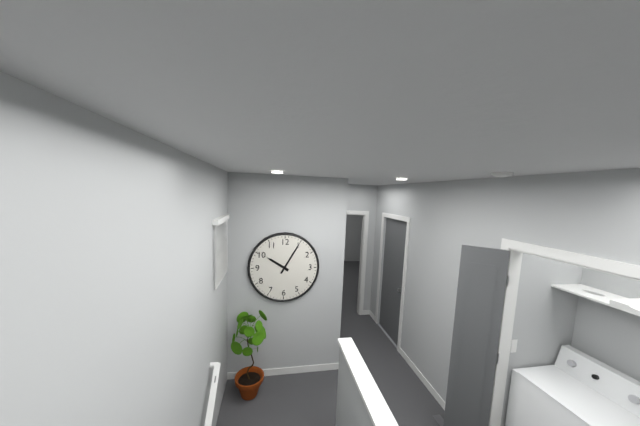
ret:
10:05
